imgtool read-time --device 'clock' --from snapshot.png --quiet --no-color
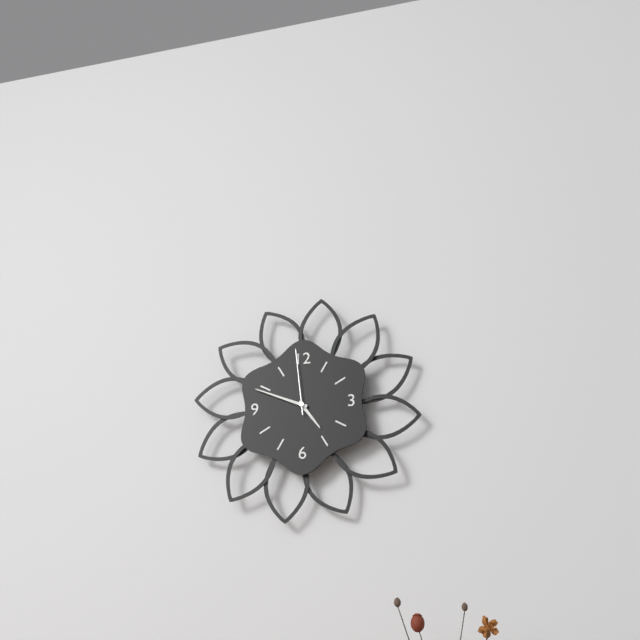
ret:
4:49:59
